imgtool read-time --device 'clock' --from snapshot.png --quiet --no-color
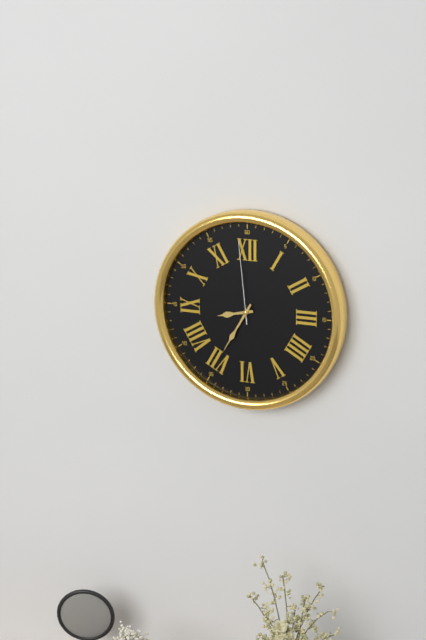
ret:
8:35:59
